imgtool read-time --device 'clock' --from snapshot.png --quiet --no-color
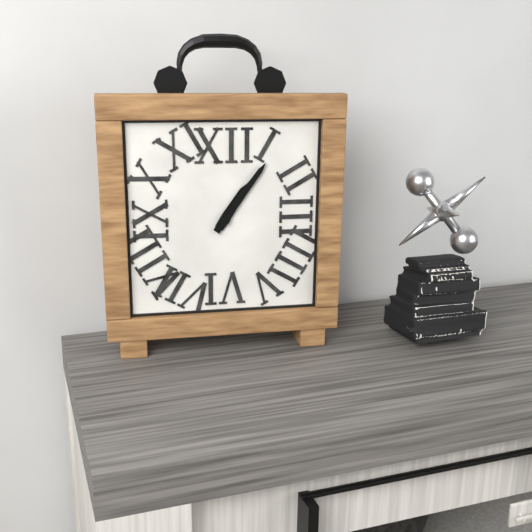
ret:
1:06
